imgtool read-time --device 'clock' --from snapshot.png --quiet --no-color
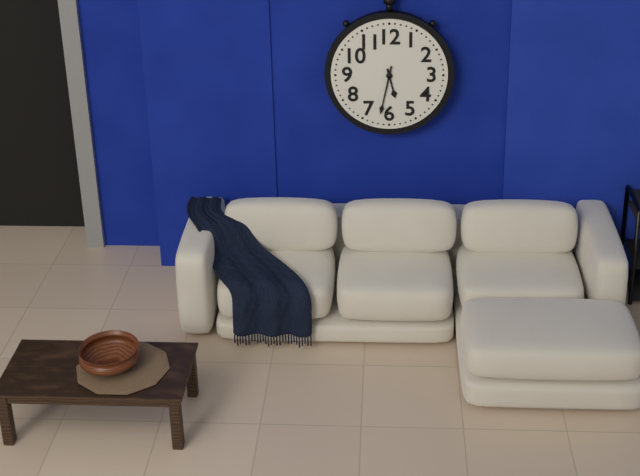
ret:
5:32
